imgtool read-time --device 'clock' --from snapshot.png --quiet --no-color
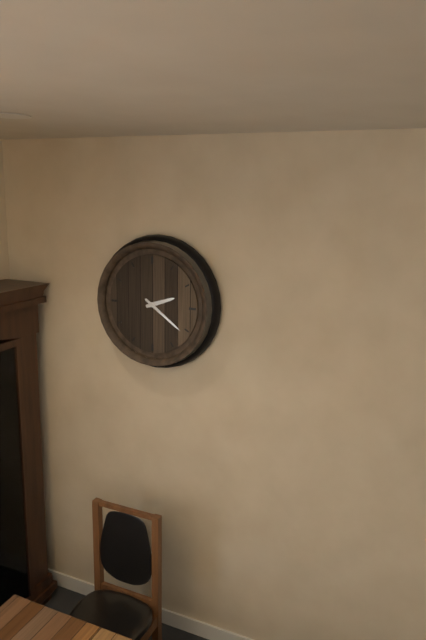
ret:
2:21
